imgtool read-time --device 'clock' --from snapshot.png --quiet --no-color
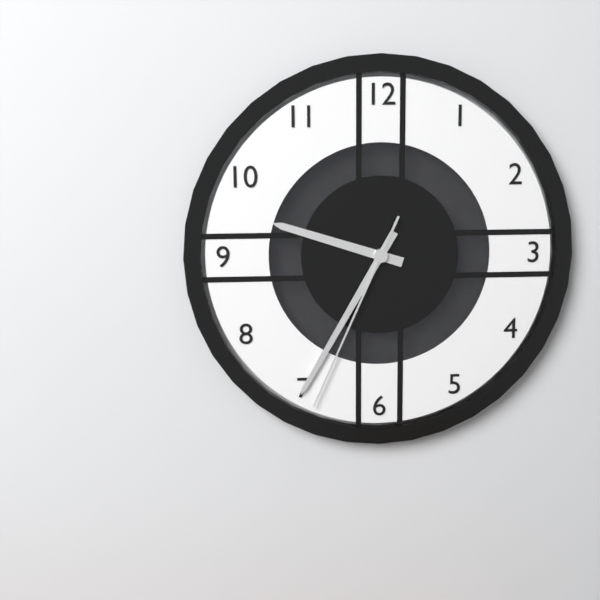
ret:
9:35:34
